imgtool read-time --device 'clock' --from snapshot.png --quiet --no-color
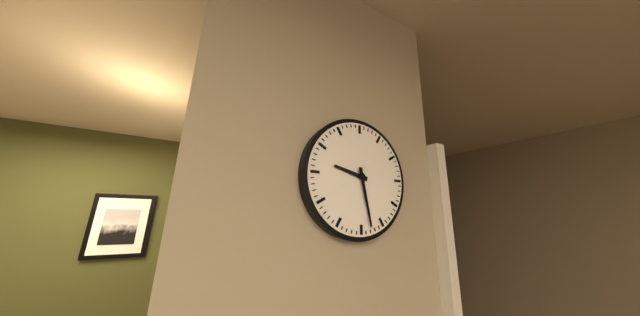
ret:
9:28
